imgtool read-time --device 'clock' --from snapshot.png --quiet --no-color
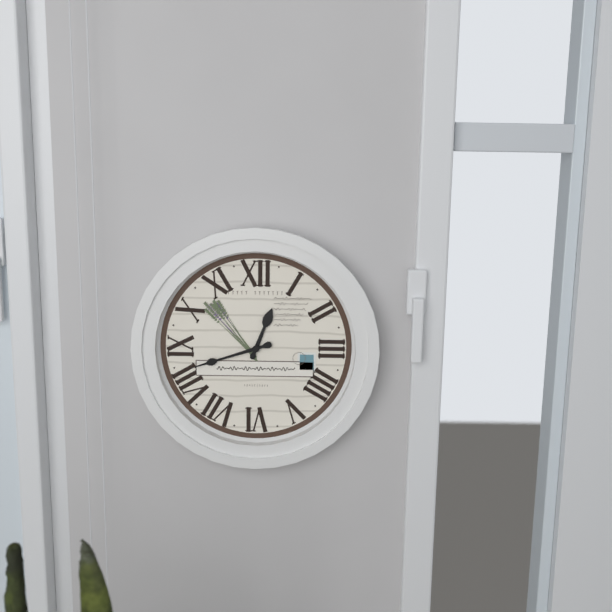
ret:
12:42
